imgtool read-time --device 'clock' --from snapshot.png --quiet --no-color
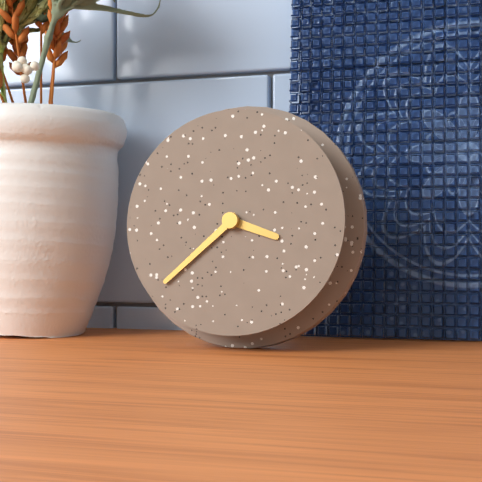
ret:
3:38
